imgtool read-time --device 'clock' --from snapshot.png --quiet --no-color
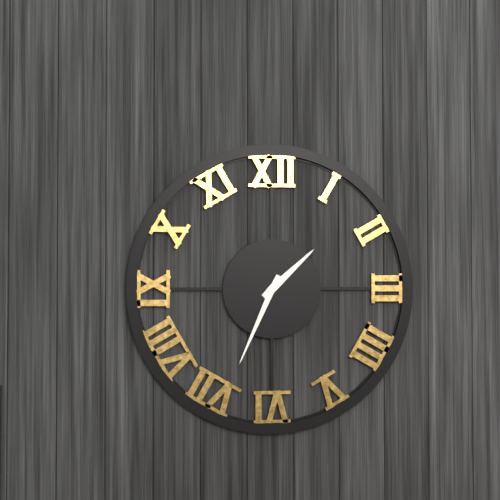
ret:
1:34
